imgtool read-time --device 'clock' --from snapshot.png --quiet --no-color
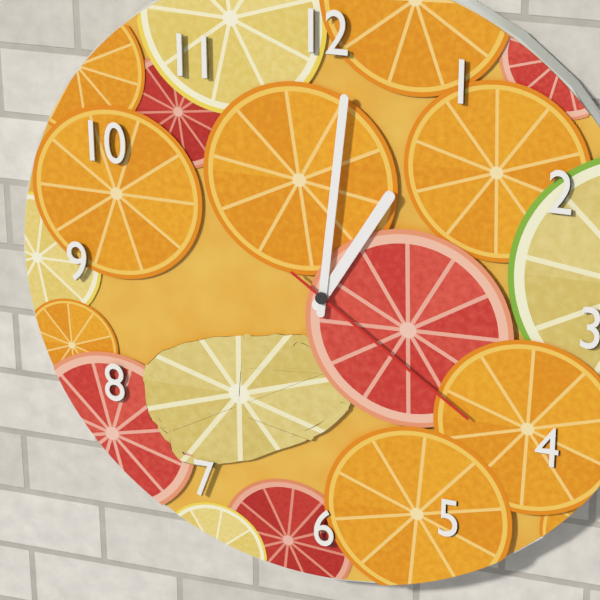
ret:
1:01:21
